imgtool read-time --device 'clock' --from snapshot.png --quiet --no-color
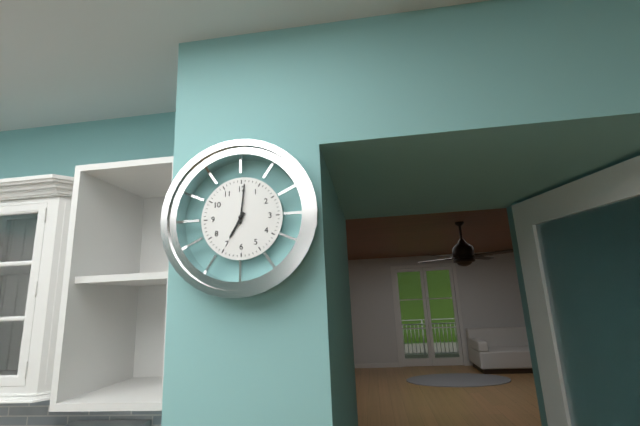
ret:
7:01
